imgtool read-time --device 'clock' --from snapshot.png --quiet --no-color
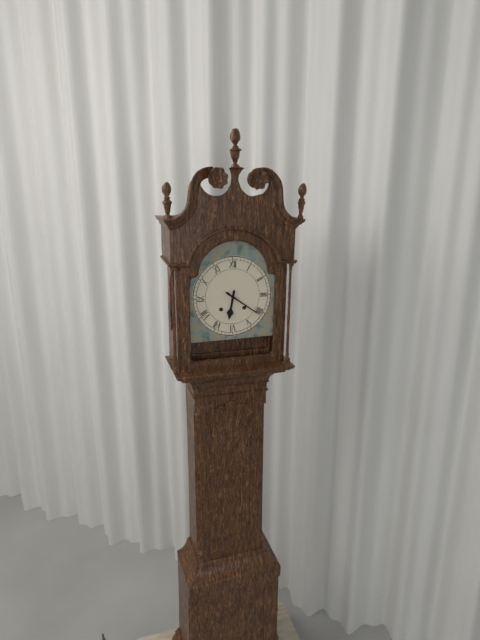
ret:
6:21
